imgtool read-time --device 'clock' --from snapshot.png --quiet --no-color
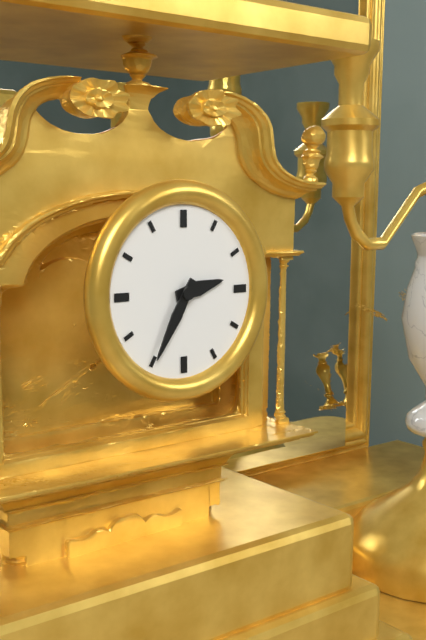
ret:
2:35
